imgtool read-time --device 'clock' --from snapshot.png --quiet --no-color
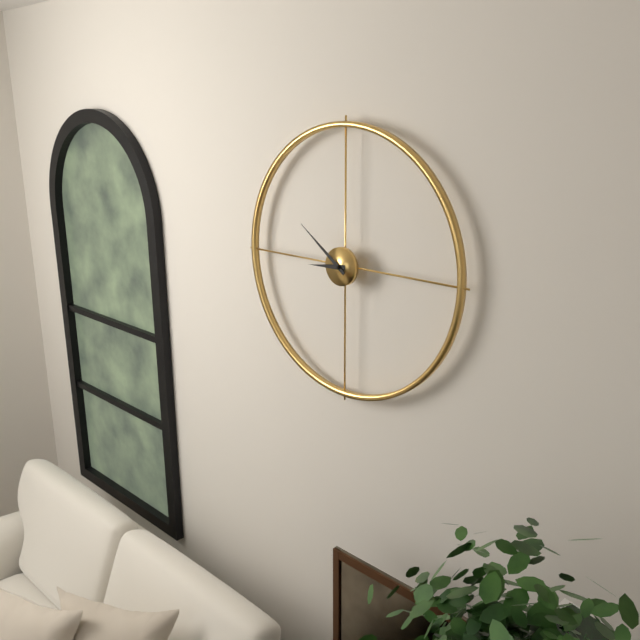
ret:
8:51
